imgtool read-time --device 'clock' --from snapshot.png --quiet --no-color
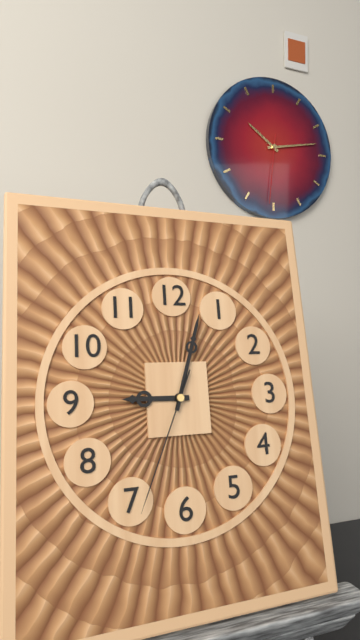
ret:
9:03:34
